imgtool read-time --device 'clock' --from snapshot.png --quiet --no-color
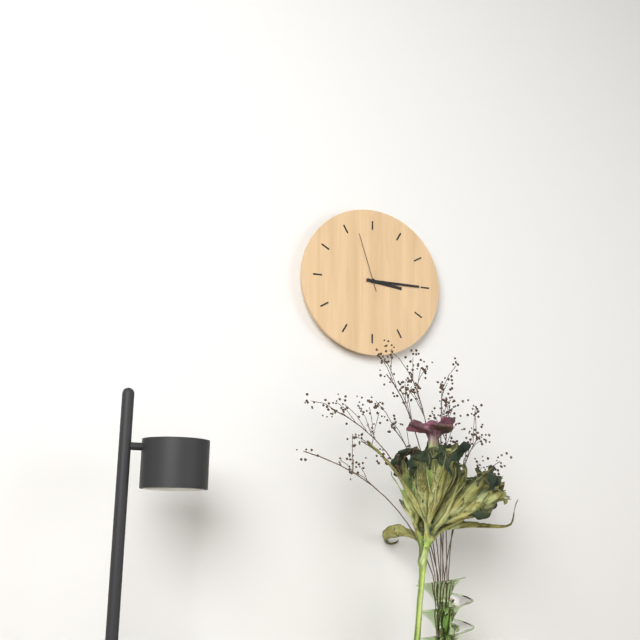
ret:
3:15:57
